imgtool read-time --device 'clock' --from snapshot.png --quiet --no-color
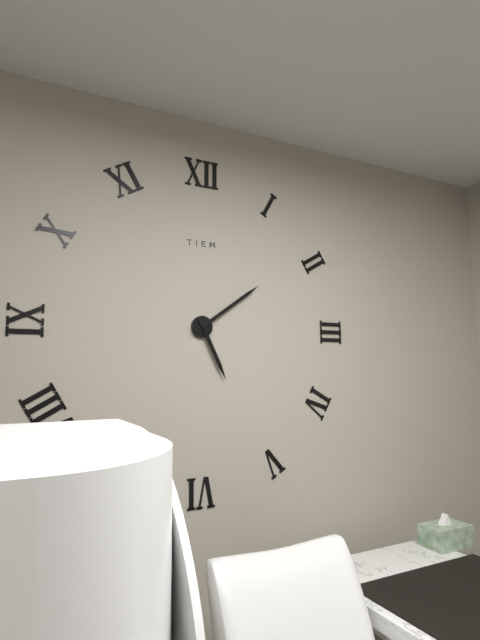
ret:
5:09
